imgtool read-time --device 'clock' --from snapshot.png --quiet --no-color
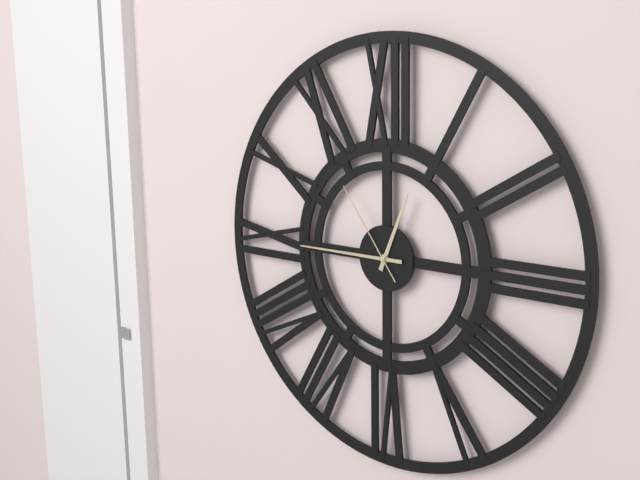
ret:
12:45:54
